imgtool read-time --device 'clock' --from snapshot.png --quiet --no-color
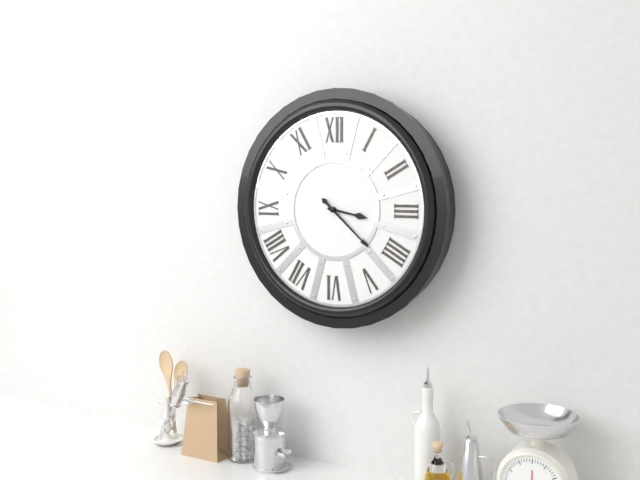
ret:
3:22
